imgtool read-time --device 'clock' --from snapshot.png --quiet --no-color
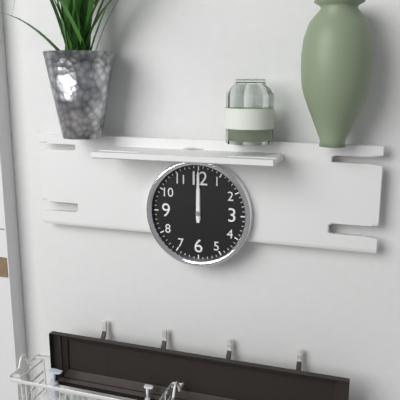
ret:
12:00
